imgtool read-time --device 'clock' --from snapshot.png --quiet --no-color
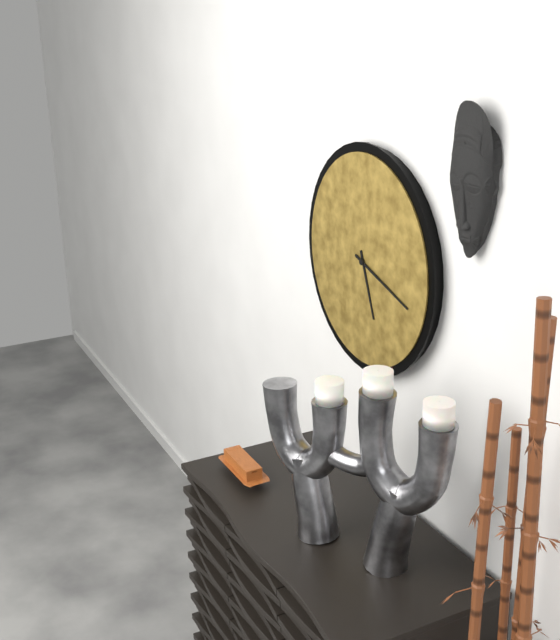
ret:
5:18
